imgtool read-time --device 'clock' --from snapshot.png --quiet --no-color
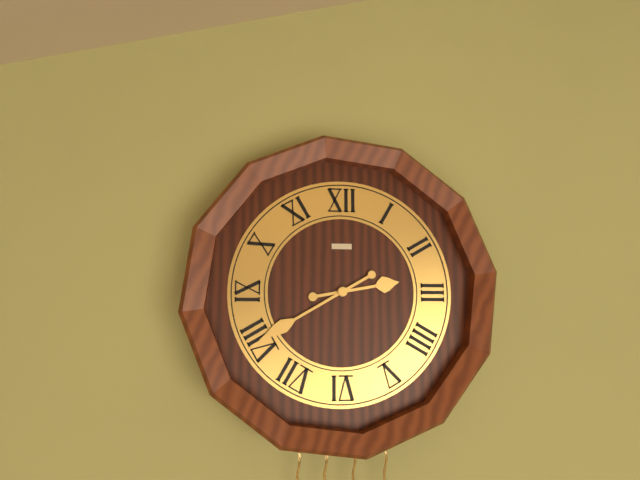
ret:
2:40
